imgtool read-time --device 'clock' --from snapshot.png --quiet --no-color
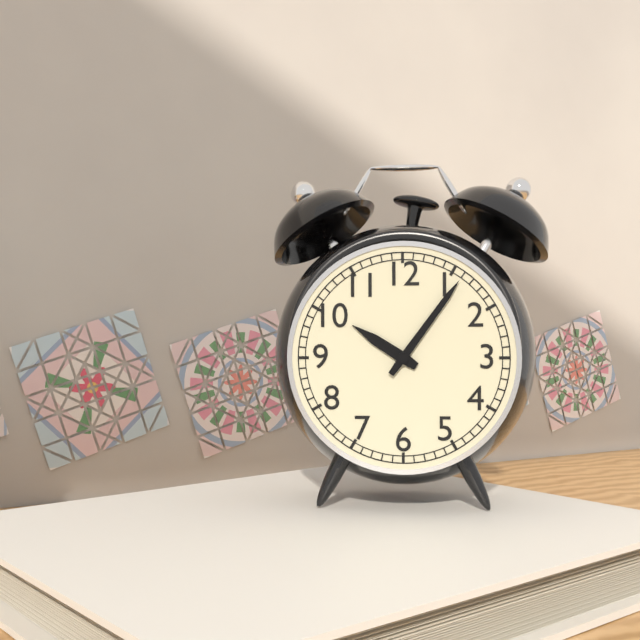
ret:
10:06
